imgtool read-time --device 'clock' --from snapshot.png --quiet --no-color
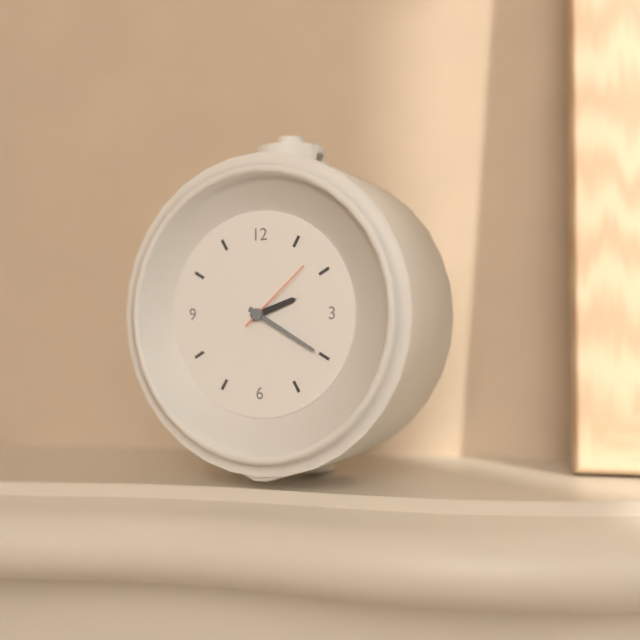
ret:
2:20:08
